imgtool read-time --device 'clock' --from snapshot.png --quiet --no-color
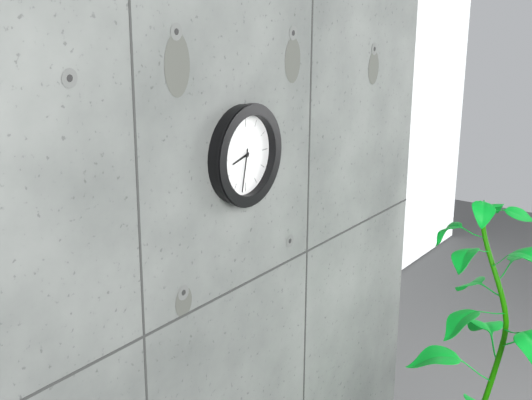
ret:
8:32
